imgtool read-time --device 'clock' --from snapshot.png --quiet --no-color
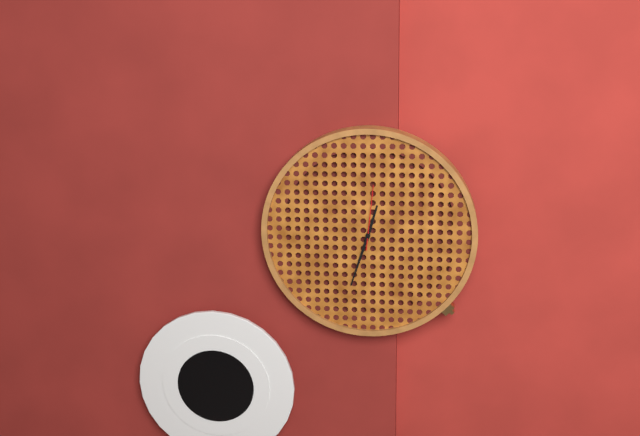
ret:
12:33:01
